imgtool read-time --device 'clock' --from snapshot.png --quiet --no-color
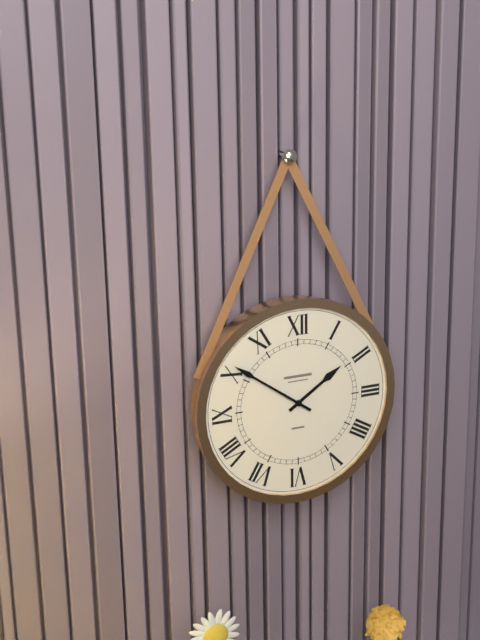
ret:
1:51
